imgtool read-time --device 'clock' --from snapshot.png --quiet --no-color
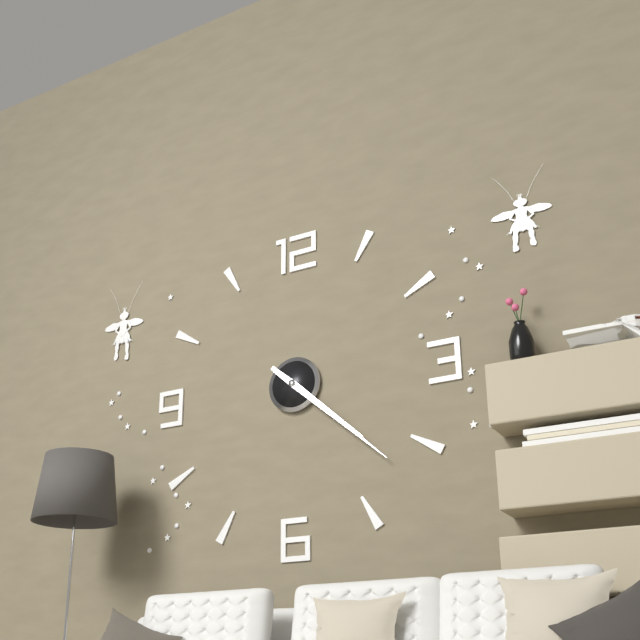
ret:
4:22
